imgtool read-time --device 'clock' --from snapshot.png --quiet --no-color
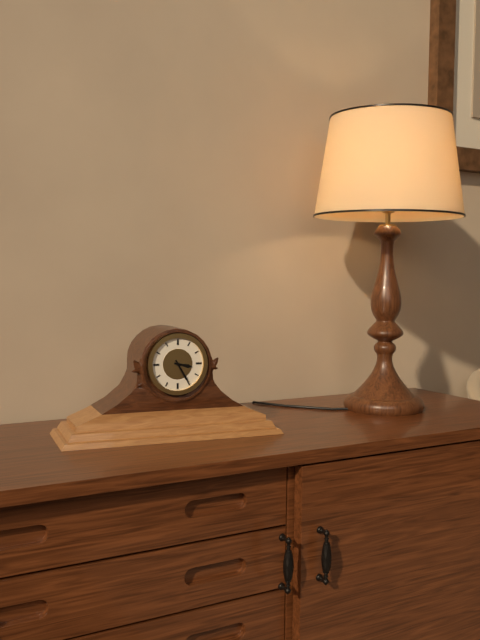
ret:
3:25
